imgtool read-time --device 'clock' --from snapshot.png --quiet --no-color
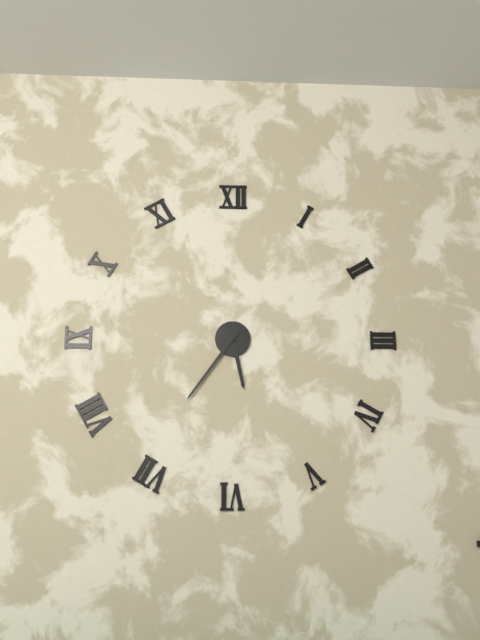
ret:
5:36
